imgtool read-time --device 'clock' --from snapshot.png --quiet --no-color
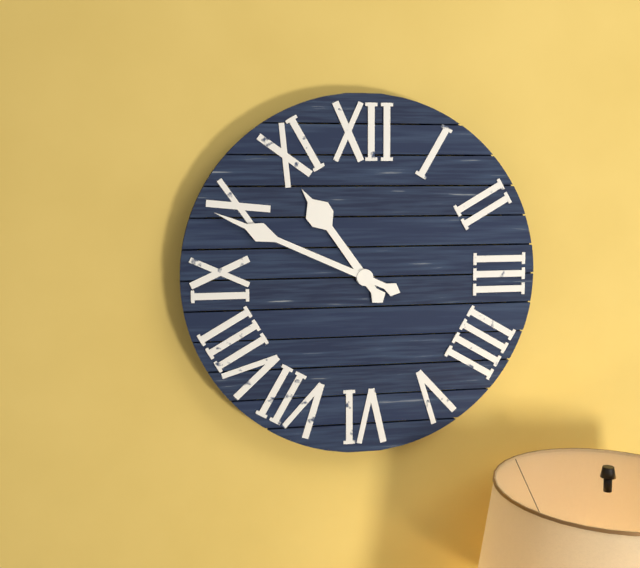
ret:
10:49
